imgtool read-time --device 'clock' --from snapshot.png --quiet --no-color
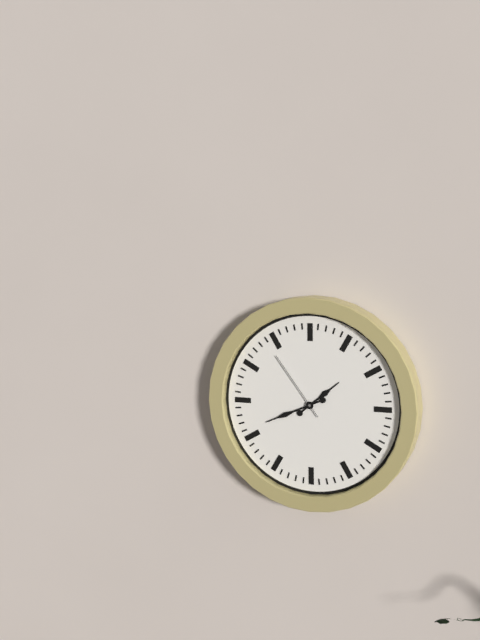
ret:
1:41:54
